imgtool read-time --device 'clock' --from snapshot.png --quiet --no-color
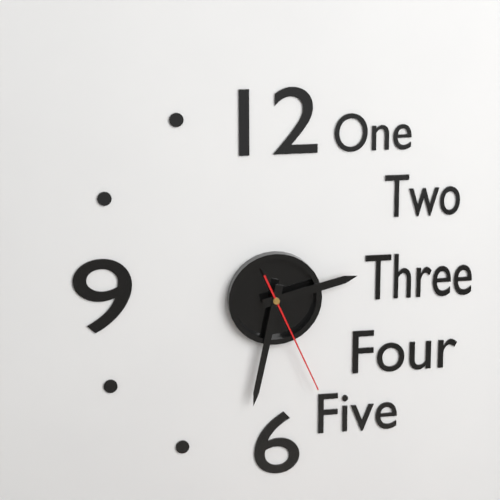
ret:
2:32:26
